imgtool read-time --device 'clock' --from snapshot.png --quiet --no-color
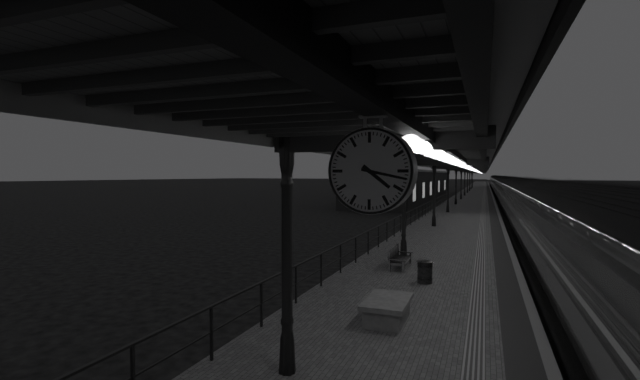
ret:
4:17
